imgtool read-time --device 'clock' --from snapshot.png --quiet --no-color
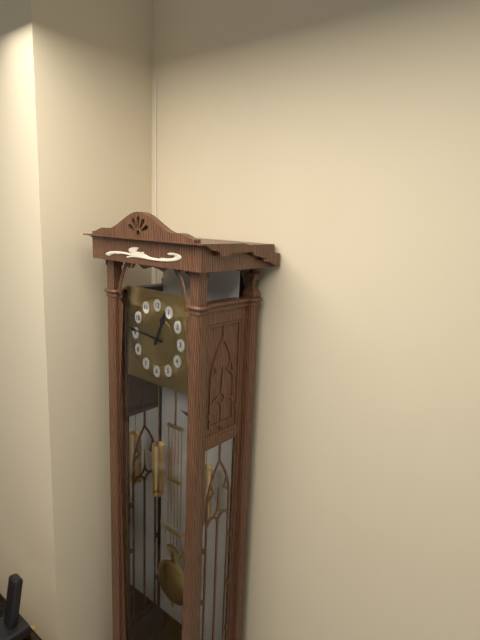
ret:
12:46
